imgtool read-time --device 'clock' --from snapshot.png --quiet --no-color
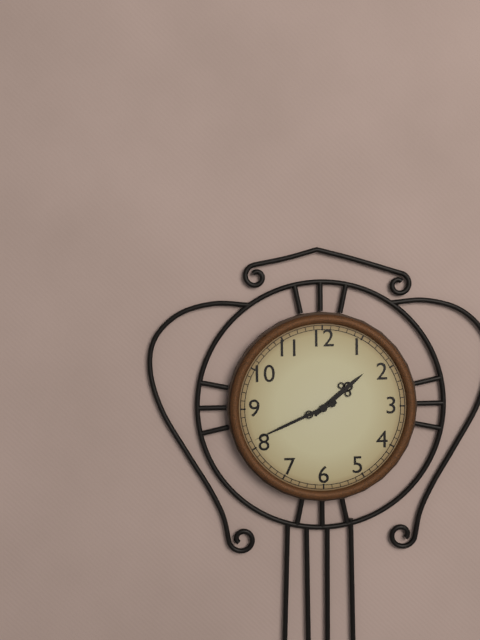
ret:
1:41
